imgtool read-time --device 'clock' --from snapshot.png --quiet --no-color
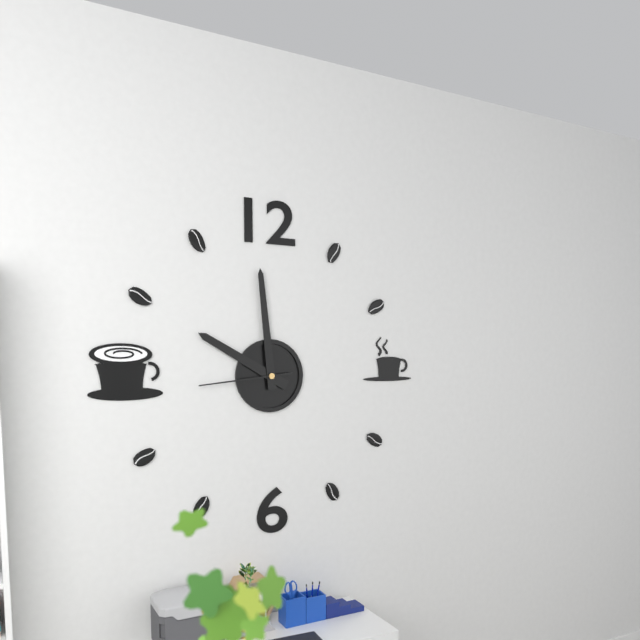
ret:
9:59:44
